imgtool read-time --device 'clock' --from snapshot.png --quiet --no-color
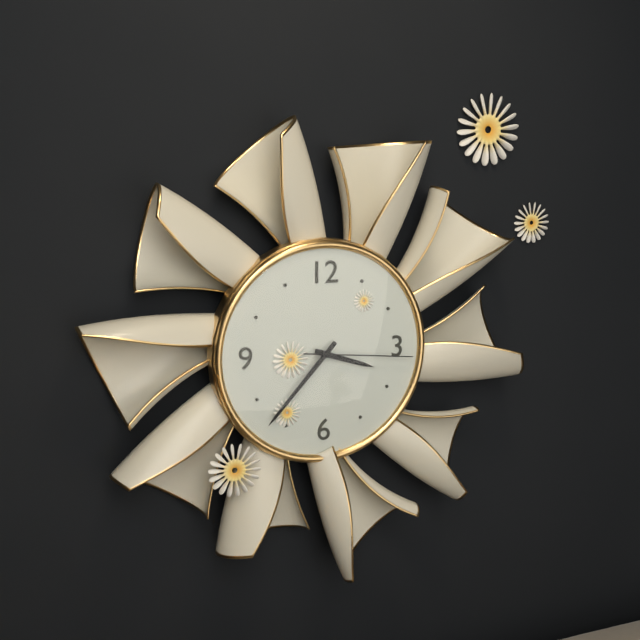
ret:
3:37:16
